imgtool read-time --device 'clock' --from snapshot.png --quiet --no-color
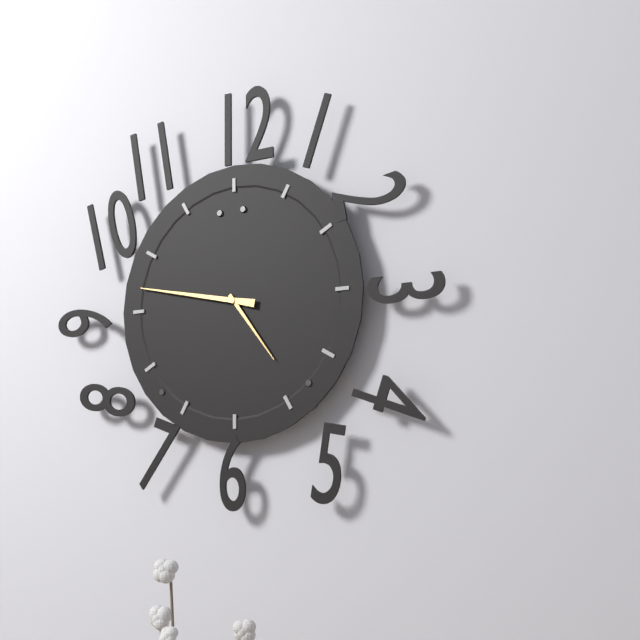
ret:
4:47
